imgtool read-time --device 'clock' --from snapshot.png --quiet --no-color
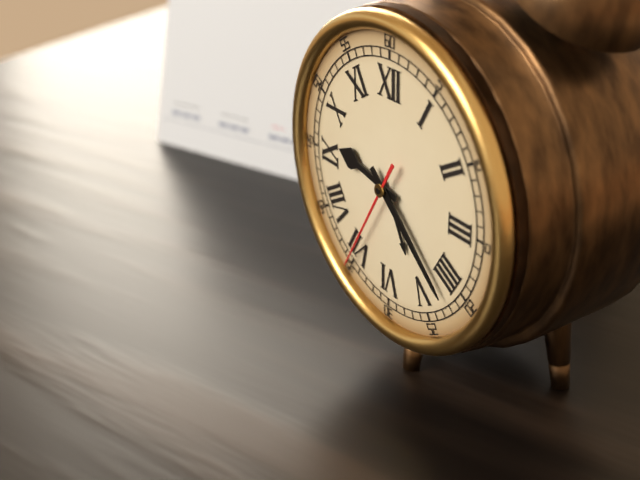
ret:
9:22:35
